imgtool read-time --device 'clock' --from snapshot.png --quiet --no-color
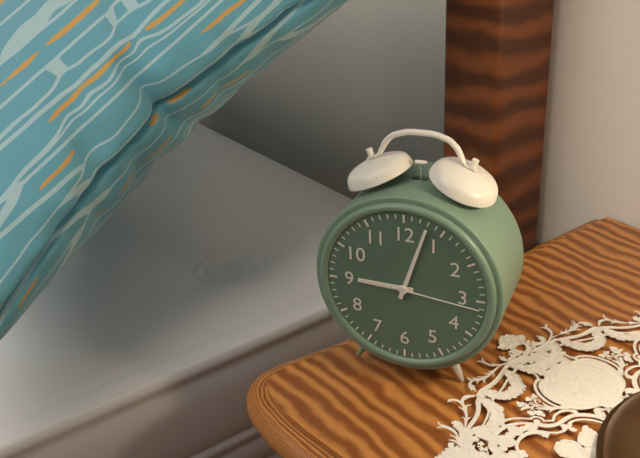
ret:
9:03:16
